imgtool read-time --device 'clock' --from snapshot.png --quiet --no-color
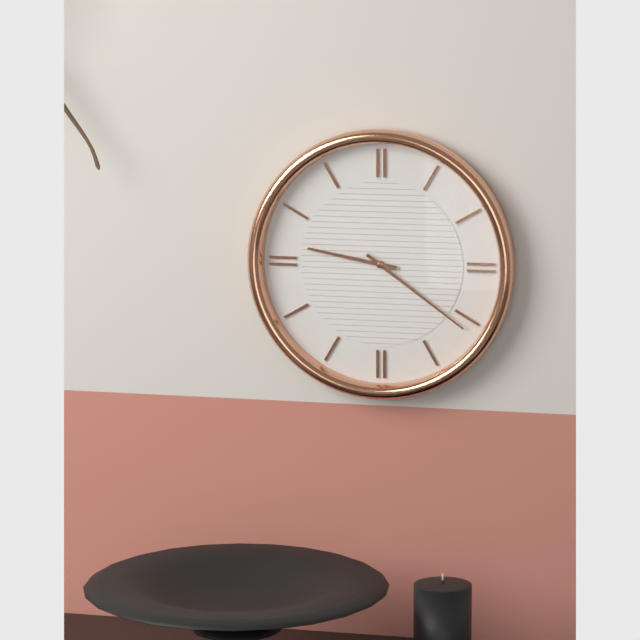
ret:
9:21
